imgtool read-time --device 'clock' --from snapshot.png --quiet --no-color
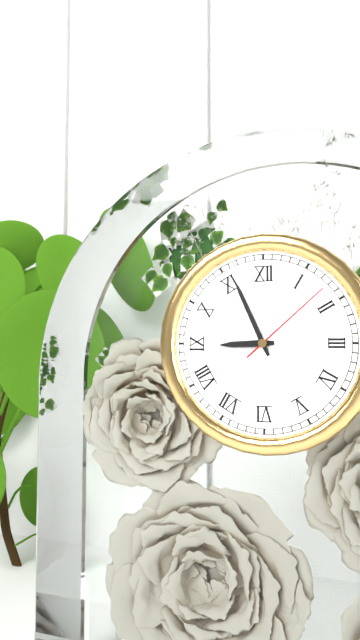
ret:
8:56:08
